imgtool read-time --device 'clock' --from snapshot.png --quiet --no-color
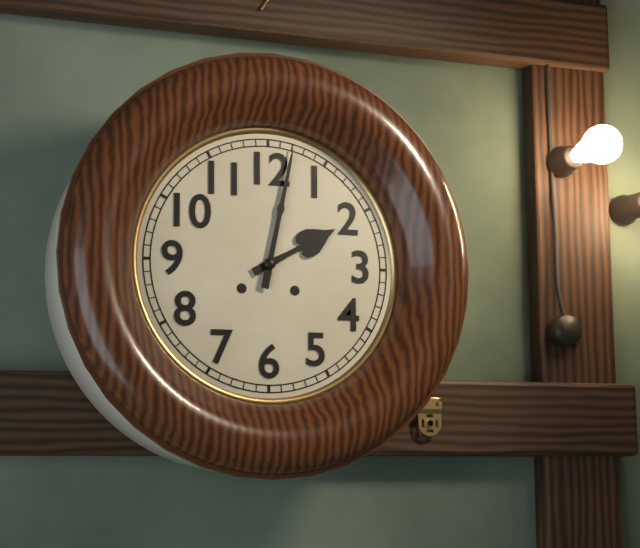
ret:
2:02
